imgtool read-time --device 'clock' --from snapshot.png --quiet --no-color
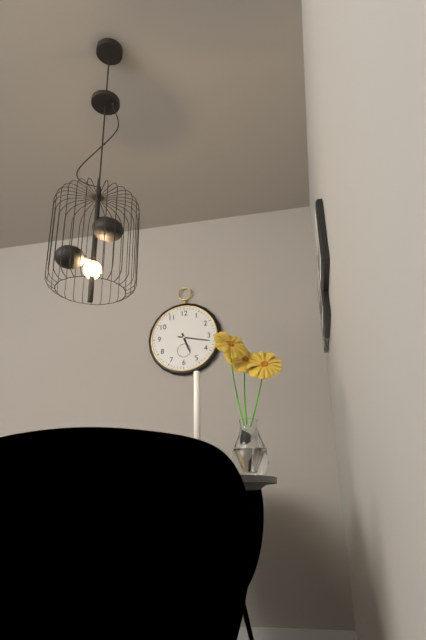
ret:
5:17
